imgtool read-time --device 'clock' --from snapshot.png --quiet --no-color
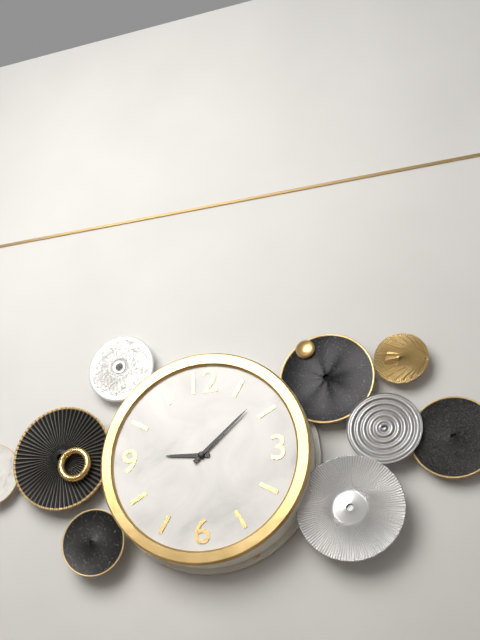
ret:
9:08
